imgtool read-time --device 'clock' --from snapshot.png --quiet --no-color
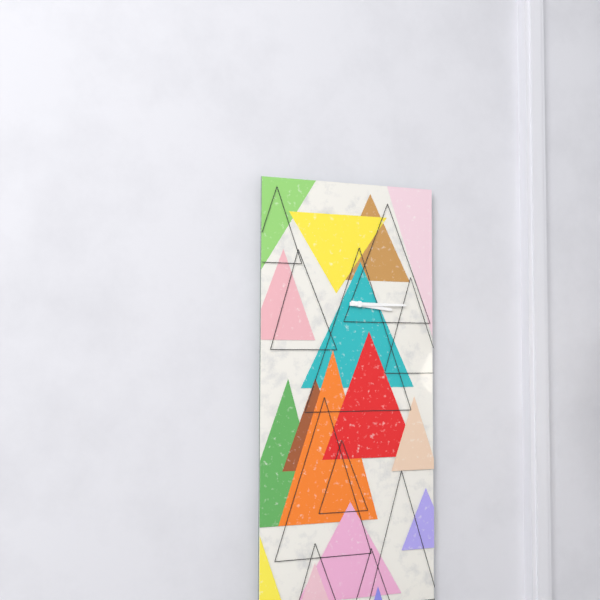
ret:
3:15
